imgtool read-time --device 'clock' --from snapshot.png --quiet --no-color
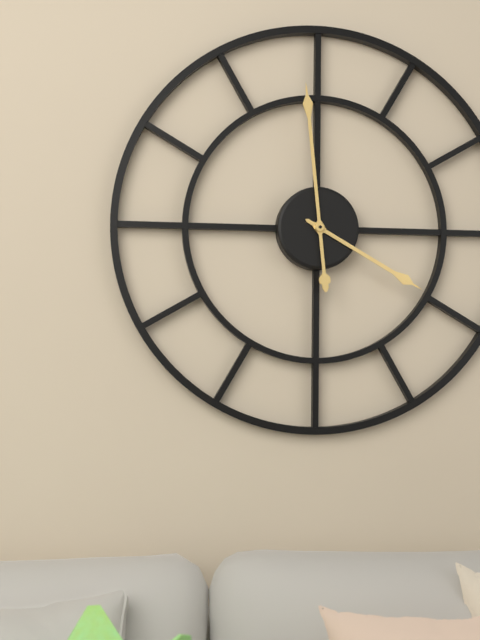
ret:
3:59
